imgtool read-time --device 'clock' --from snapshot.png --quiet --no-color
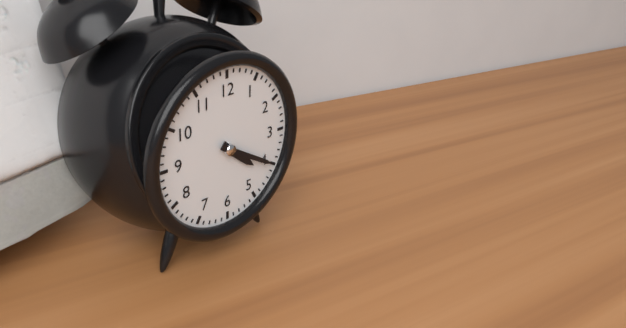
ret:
4:20
